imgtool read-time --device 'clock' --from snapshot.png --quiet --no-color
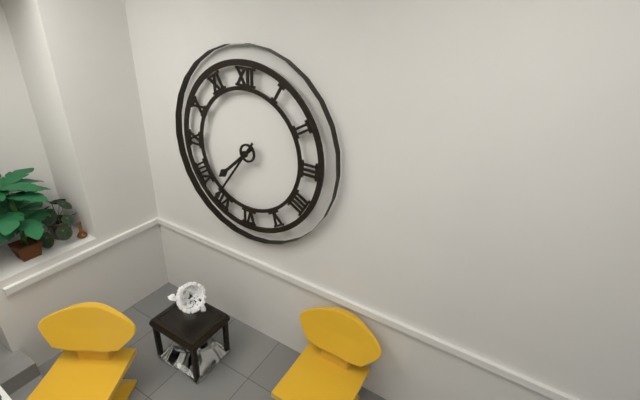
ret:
7:36
